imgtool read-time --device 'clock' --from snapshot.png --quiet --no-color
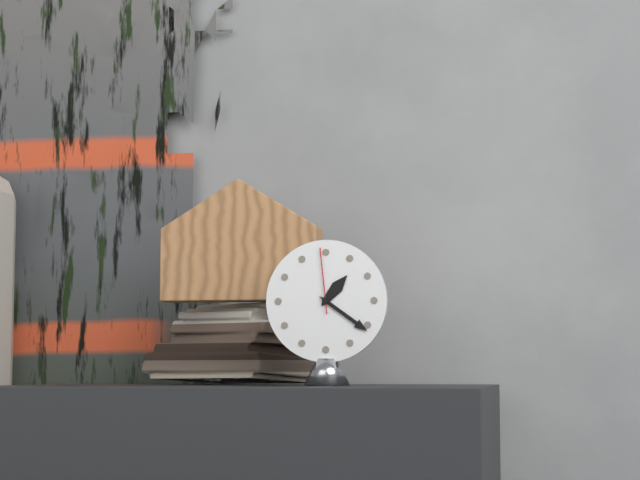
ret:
1:21:59
